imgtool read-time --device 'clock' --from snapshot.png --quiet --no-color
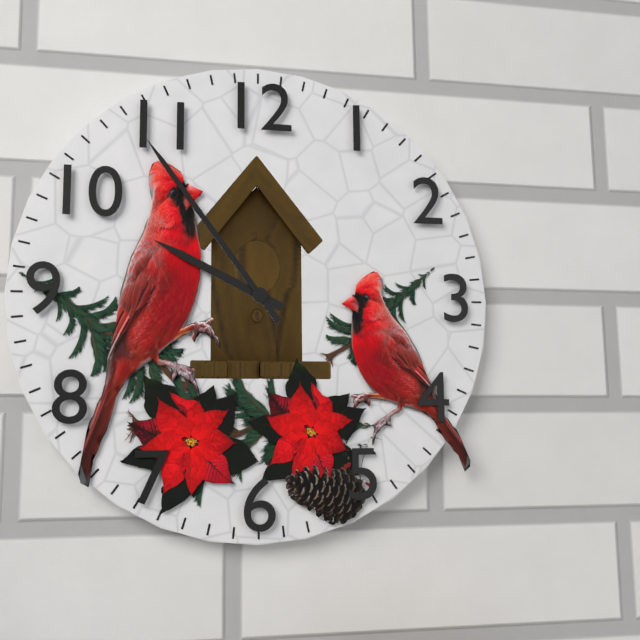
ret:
9:54
